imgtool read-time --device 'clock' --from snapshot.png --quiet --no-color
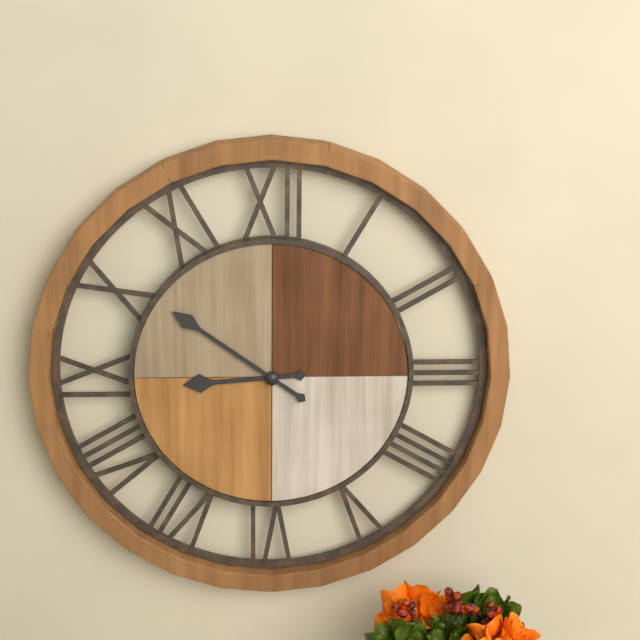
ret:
8:51
